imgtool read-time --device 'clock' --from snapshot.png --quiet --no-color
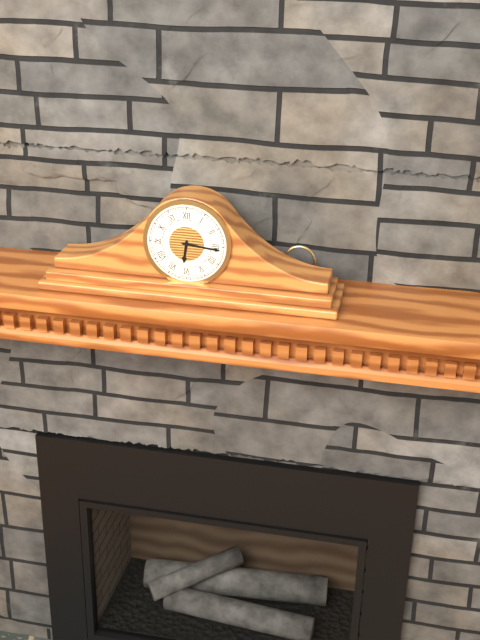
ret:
6:16
